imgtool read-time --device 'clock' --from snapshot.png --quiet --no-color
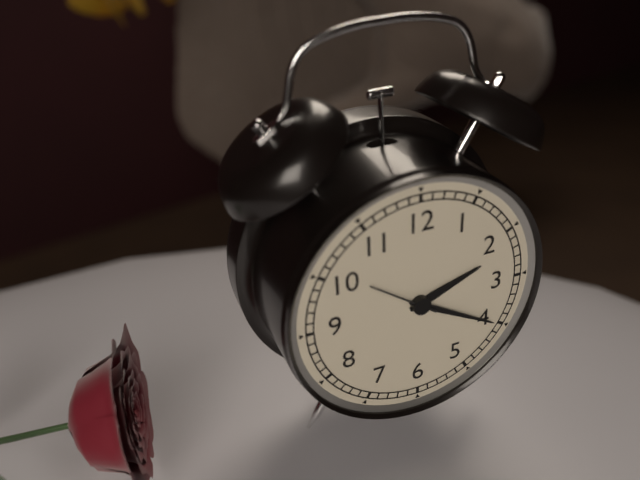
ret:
2:20
